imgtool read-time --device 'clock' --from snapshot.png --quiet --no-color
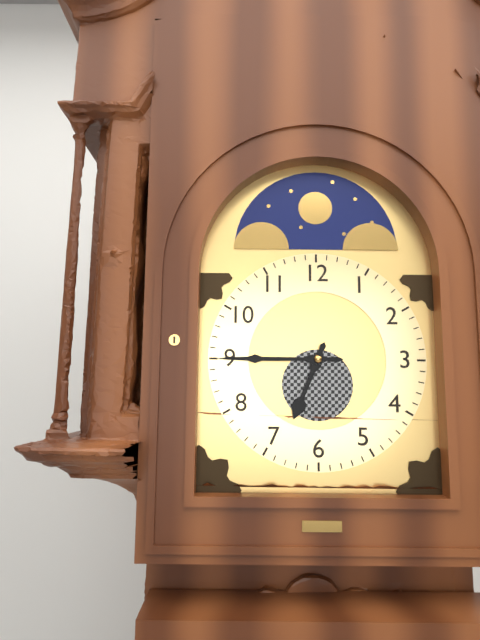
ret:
6:45
